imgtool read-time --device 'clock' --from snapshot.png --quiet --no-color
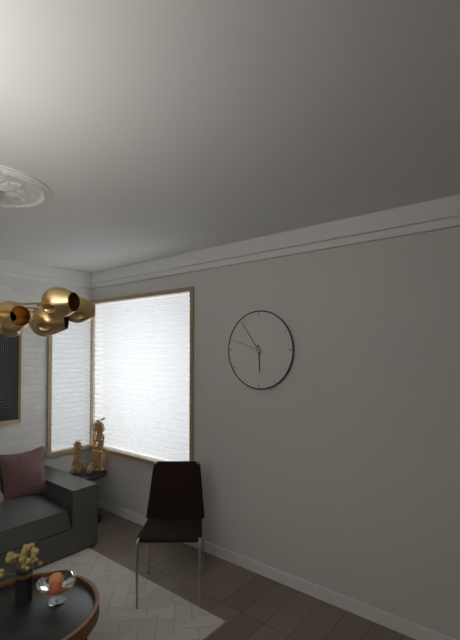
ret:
5:54
